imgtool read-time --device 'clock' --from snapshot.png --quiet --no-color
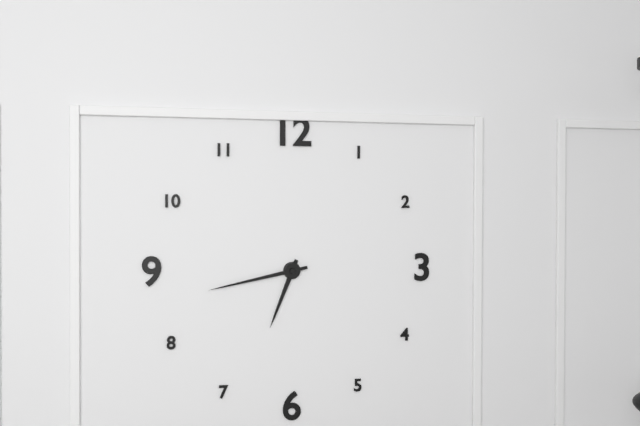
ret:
6:43
